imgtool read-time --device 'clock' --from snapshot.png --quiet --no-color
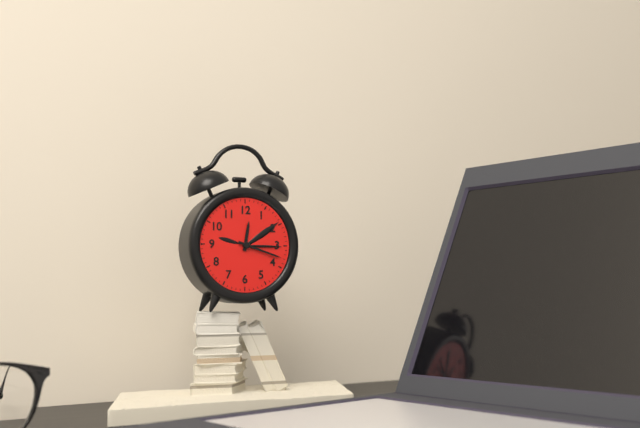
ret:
12:18
